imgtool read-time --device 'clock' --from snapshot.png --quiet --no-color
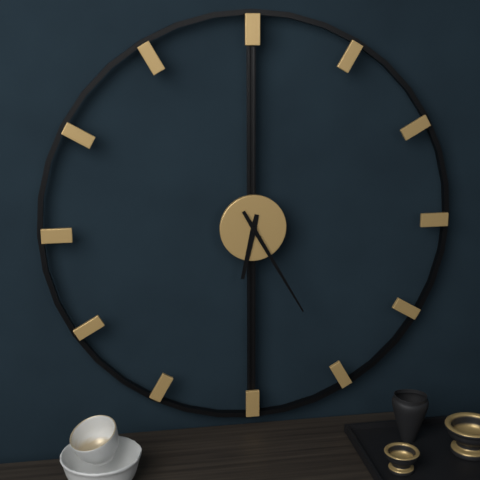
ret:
6:25
